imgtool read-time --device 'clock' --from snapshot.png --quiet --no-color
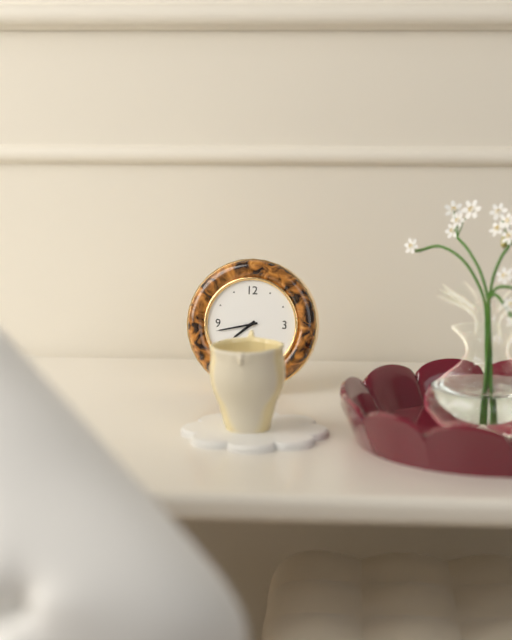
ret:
7:43
